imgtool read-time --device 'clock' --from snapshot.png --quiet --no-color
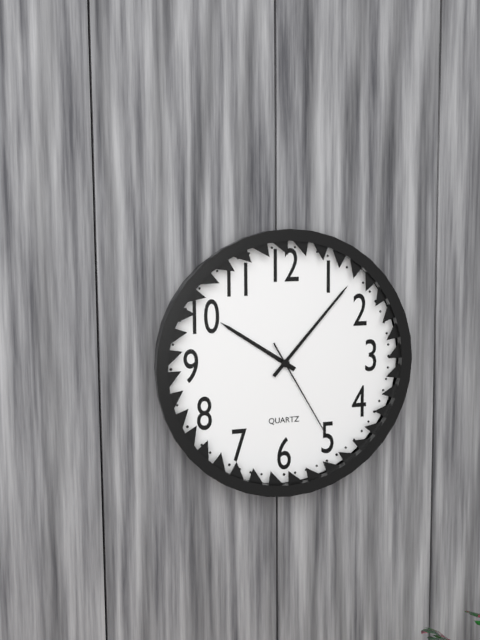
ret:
10:07:25
